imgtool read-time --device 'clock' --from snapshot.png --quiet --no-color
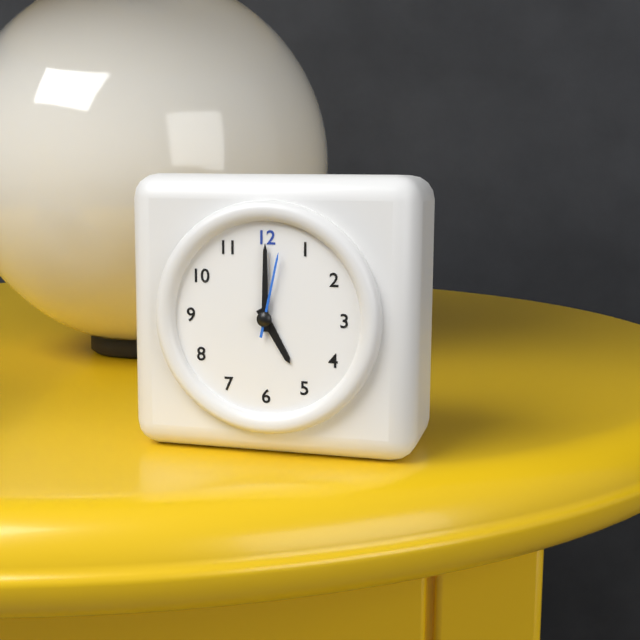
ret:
5:00:02
